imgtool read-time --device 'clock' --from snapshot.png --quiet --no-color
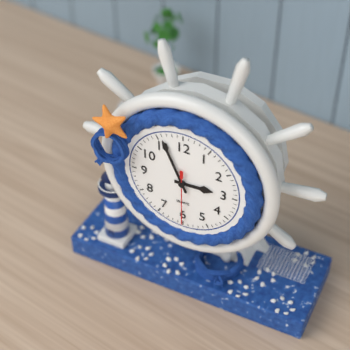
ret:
2:56:30
